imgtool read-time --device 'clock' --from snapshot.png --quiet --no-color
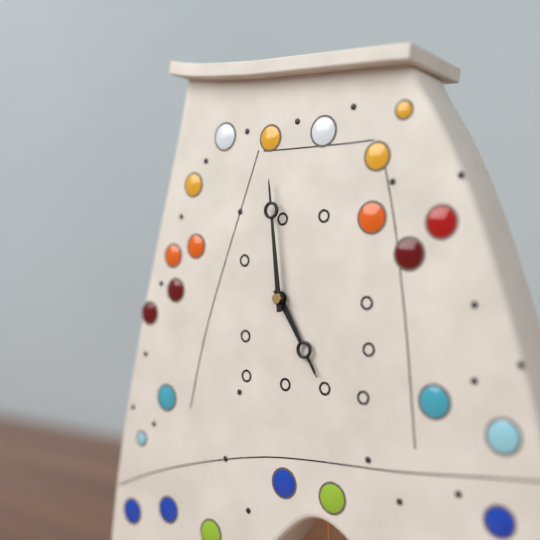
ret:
4:59
